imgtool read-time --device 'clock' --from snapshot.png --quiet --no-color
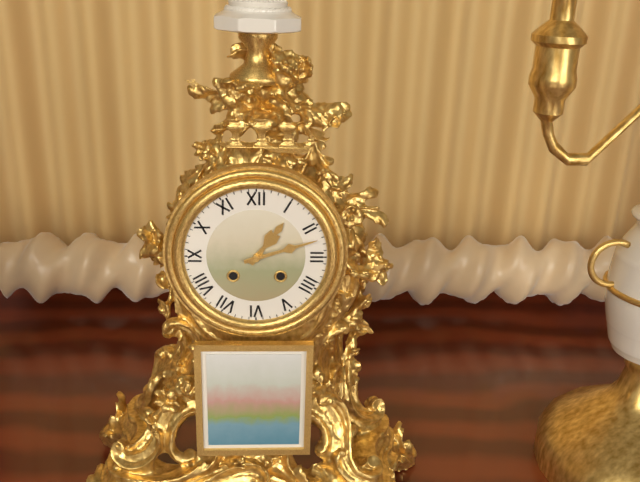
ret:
1:12
